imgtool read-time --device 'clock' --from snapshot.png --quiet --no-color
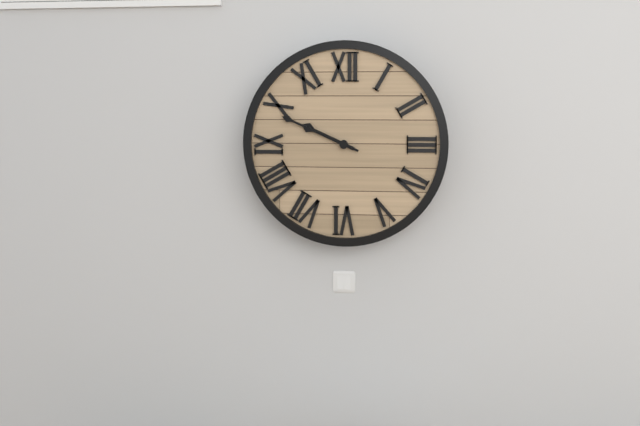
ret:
9:49
